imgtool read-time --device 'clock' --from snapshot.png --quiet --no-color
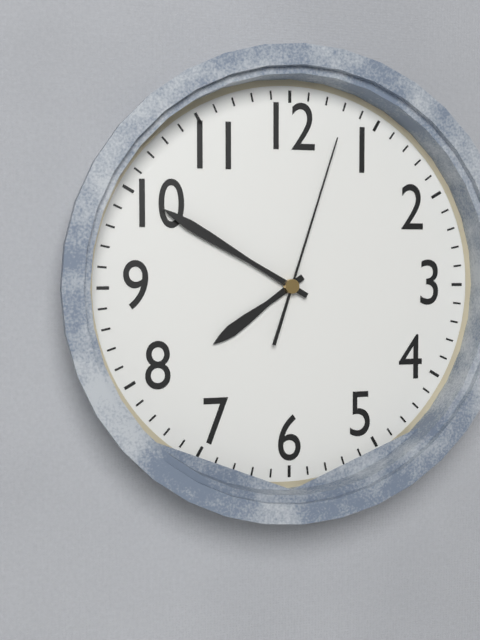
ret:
7:50:03
